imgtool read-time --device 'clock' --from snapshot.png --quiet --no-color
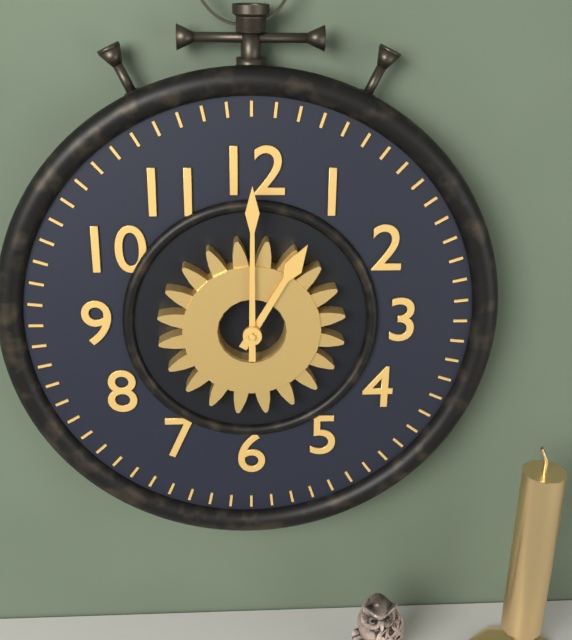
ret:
1:00
